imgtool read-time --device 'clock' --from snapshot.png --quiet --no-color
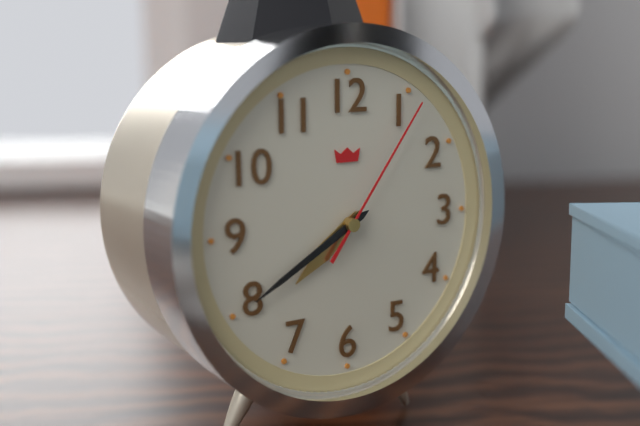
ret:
7:40:06
